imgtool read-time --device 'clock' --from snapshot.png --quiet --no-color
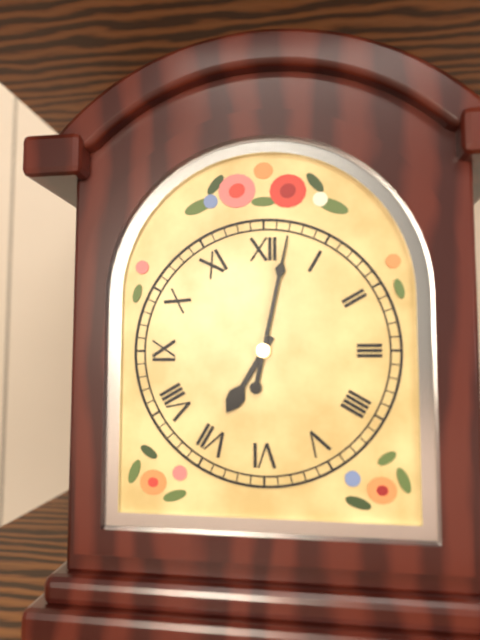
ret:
7:02
